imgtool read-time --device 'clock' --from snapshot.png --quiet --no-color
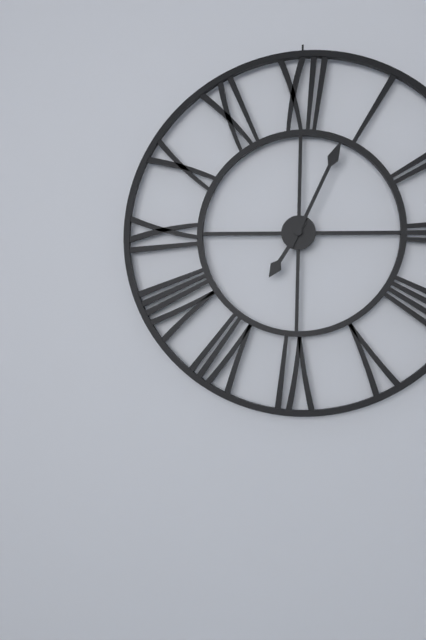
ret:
7:04
